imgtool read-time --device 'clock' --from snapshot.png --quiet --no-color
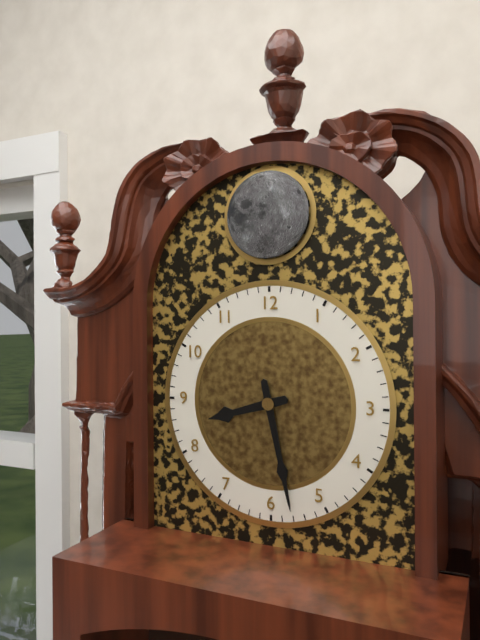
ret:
8:28
